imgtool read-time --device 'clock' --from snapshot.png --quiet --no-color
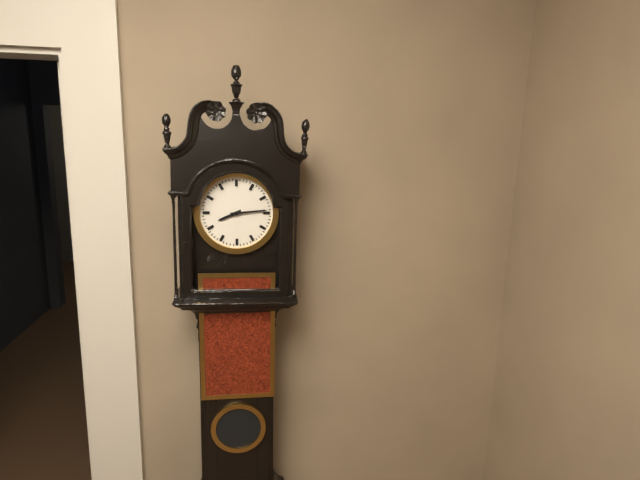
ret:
8:14
